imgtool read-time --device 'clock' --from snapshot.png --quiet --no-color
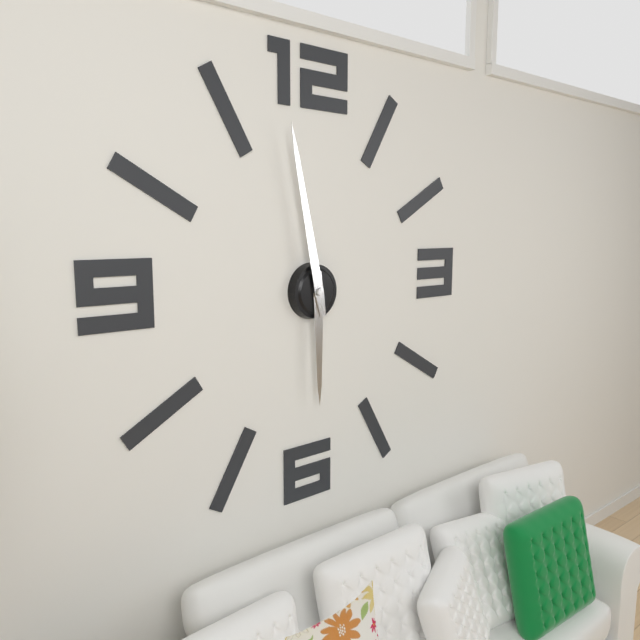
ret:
5:58
